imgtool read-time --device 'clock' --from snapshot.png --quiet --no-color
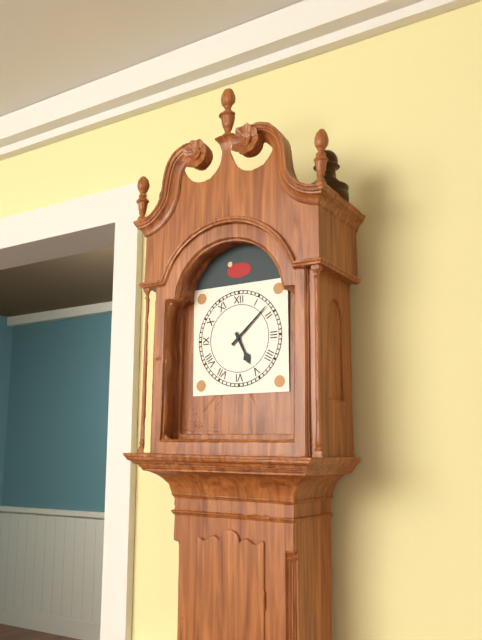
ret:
5:08
